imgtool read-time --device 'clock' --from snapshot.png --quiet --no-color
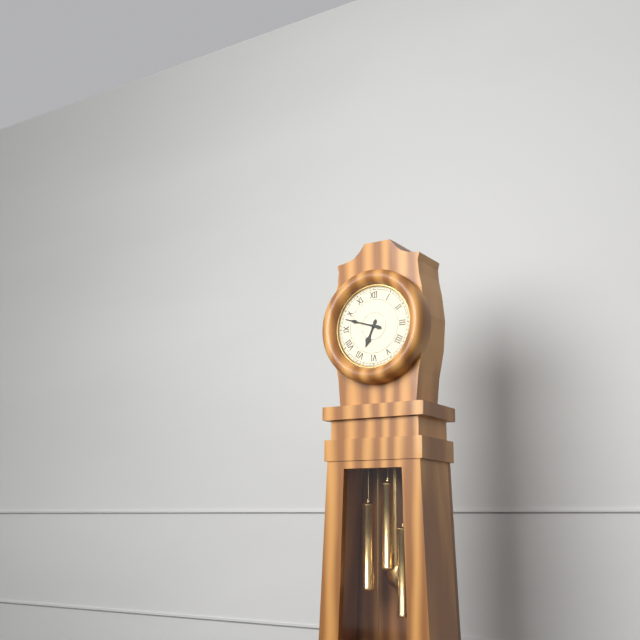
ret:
6:48
